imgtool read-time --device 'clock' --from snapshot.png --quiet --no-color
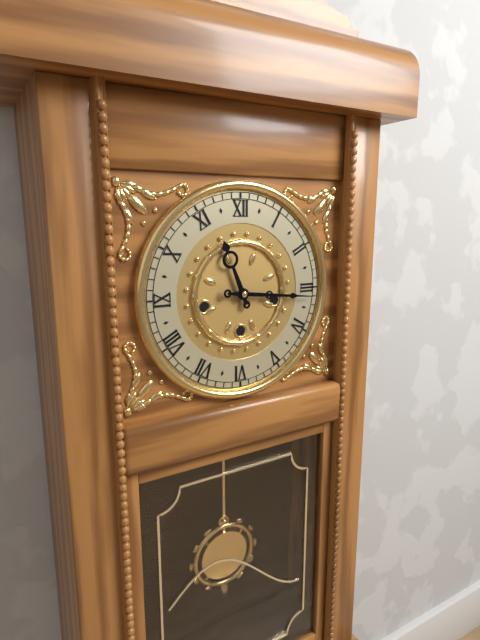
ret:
11:16
